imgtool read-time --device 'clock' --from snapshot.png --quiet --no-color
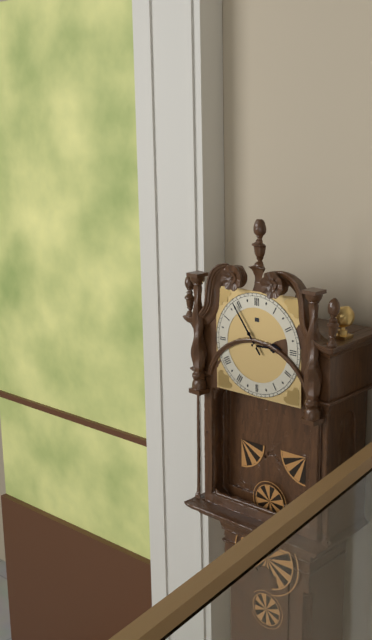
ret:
2:54
